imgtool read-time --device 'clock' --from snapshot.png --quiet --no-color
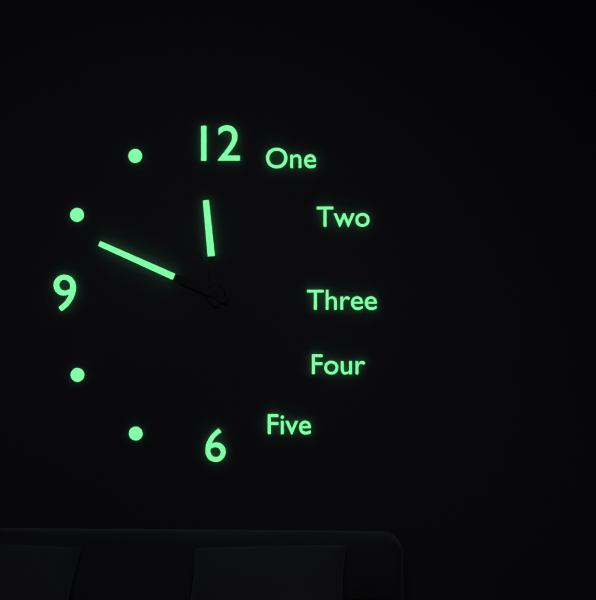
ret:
11:49
